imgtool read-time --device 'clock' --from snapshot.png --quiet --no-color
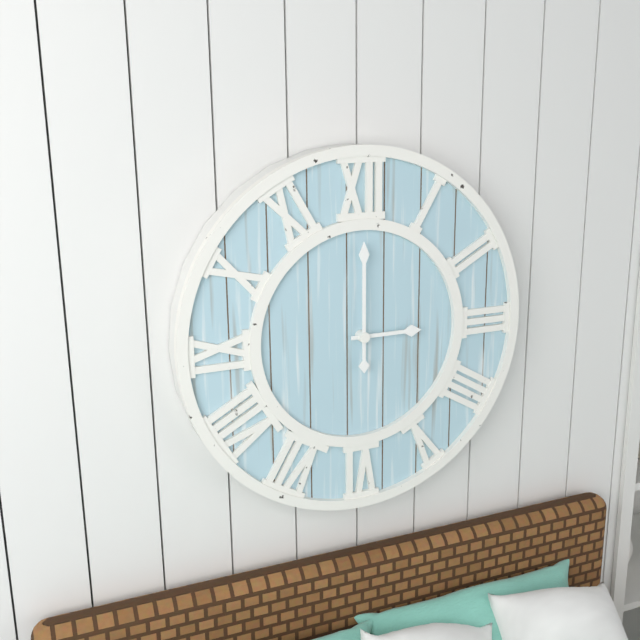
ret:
3:00
